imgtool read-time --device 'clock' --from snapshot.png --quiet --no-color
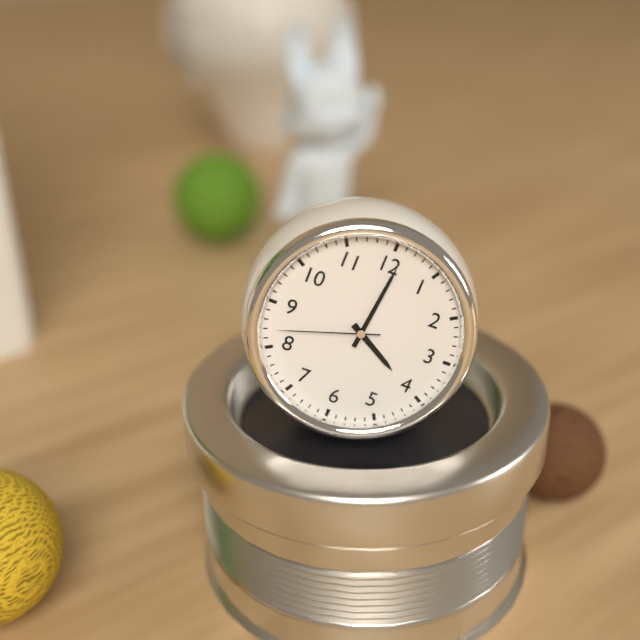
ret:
4:01:42
